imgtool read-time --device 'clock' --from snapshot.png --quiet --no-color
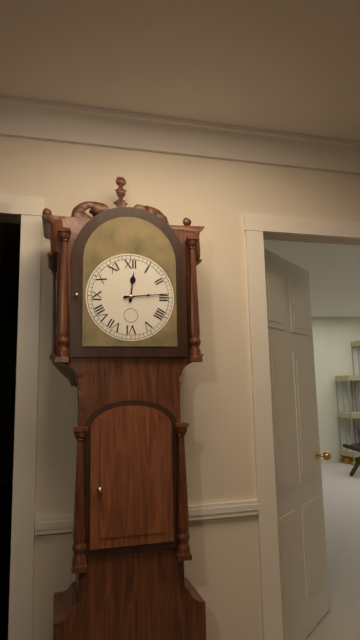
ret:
12:14
